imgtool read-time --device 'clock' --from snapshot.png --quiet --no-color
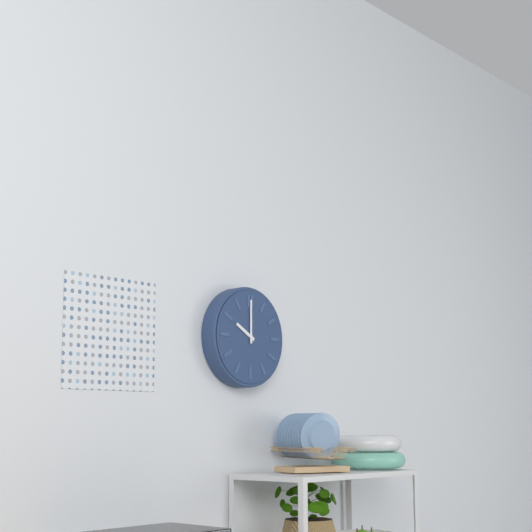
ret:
10:00
